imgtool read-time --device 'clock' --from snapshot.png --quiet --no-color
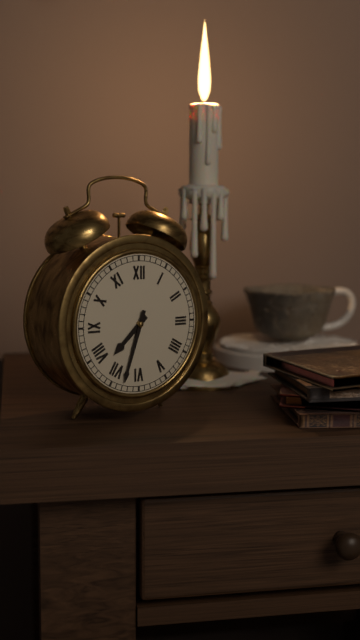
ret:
7:33
